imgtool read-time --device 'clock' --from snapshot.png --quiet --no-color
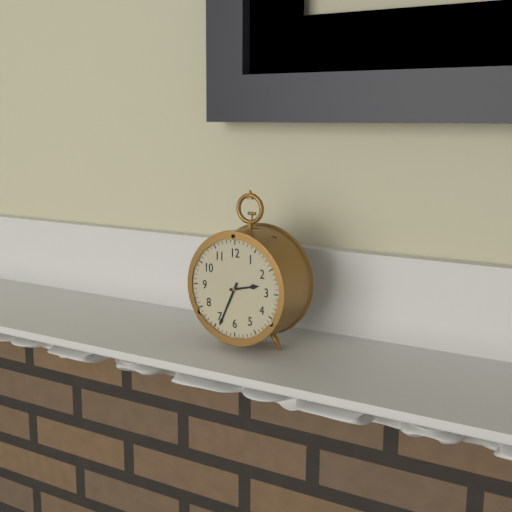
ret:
2:34
